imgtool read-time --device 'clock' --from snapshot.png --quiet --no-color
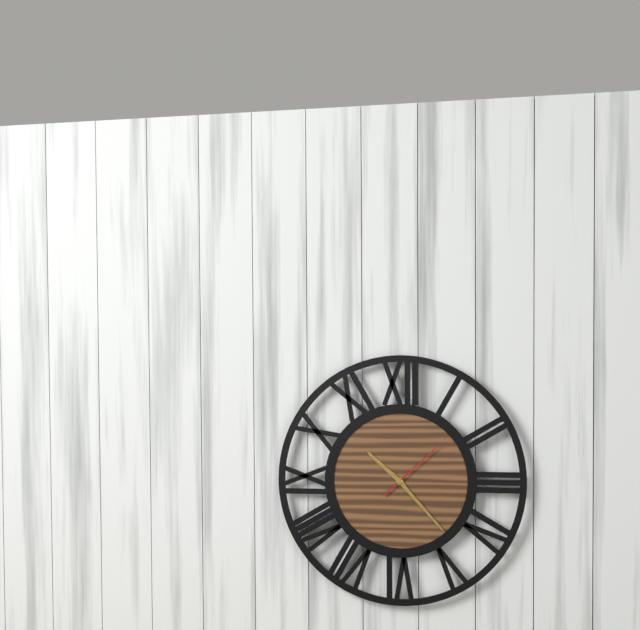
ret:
10:23:08
